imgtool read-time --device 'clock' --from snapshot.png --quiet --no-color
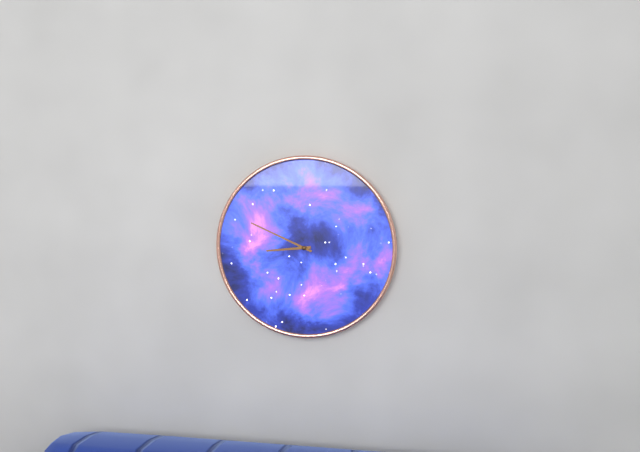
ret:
8:49
